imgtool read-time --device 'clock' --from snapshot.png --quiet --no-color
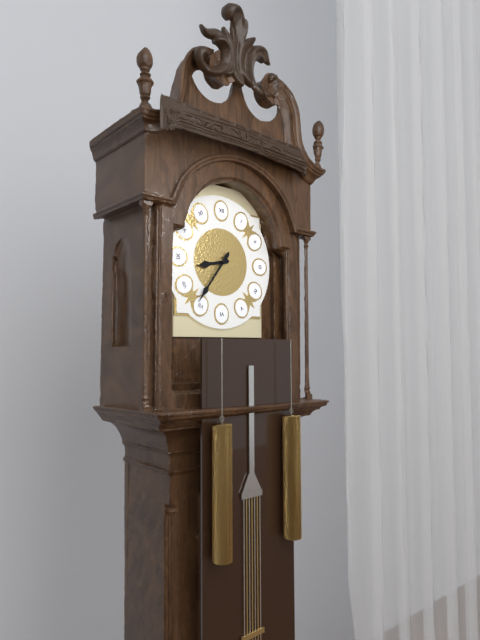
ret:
8:36
